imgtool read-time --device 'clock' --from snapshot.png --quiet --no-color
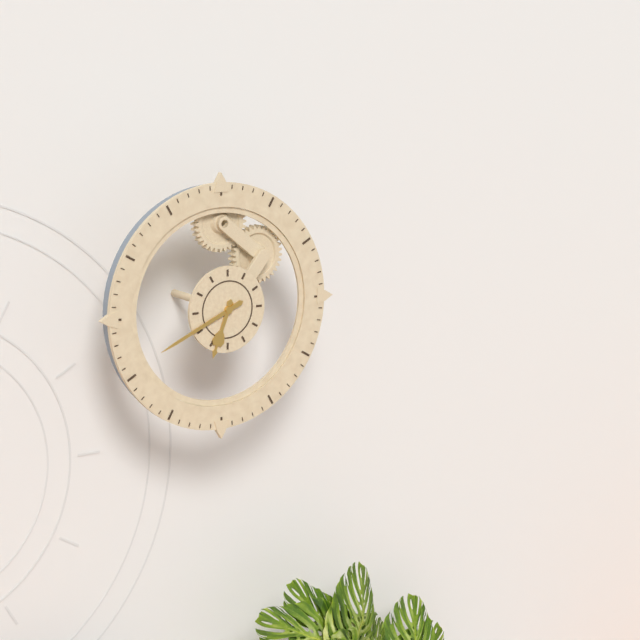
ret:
6:41
